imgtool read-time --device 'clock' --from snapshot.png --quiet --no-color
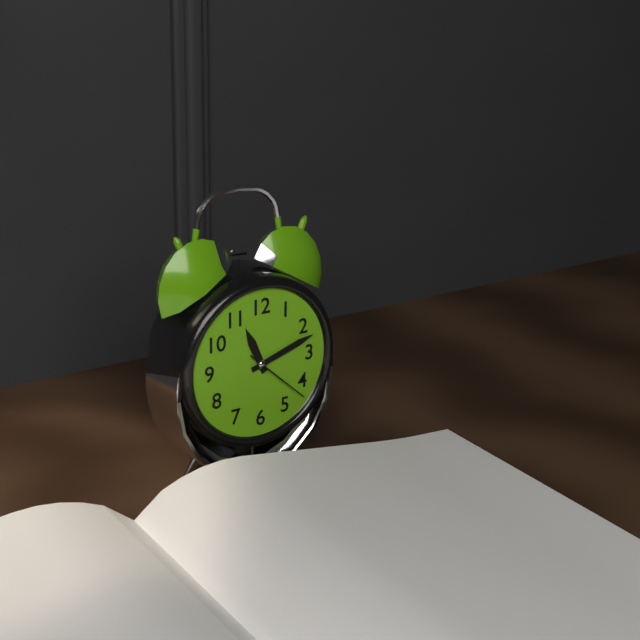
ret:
11:12:22
